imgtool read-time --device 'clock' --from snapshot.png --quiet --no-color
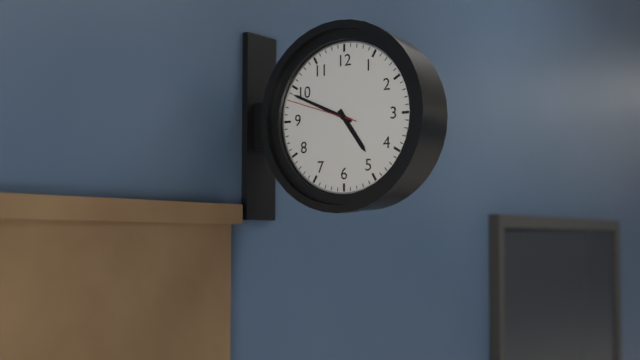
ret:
4:49:48
